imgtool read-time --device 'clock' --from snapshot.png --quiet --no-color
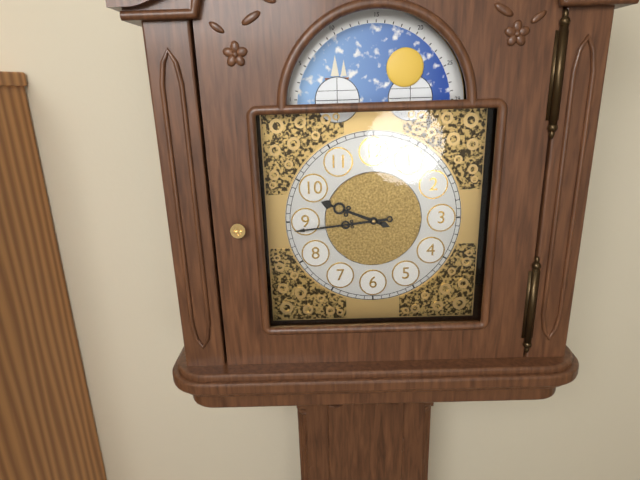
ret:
9:44
